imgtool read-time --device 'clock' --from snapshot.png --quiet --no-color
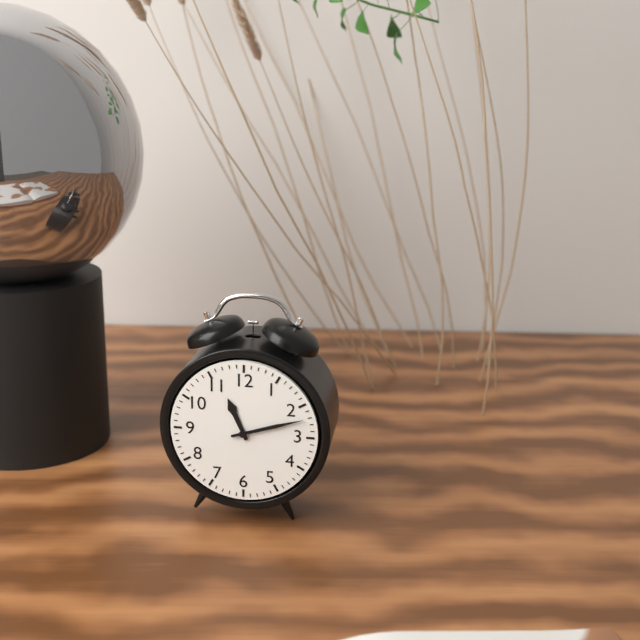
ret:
11:12
